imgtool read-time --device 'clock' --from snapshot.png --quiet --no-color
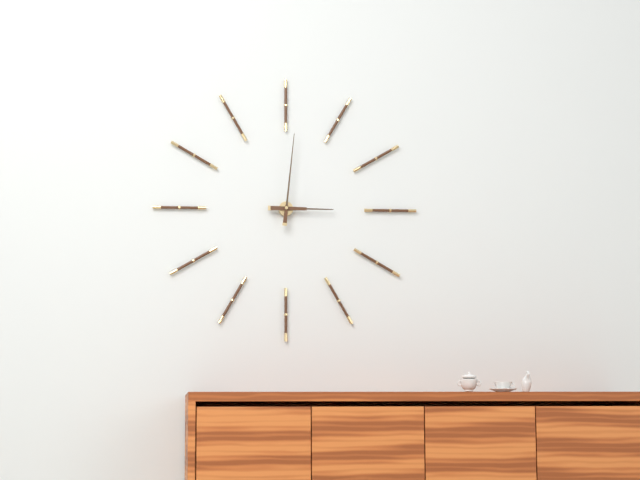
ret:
3:01
